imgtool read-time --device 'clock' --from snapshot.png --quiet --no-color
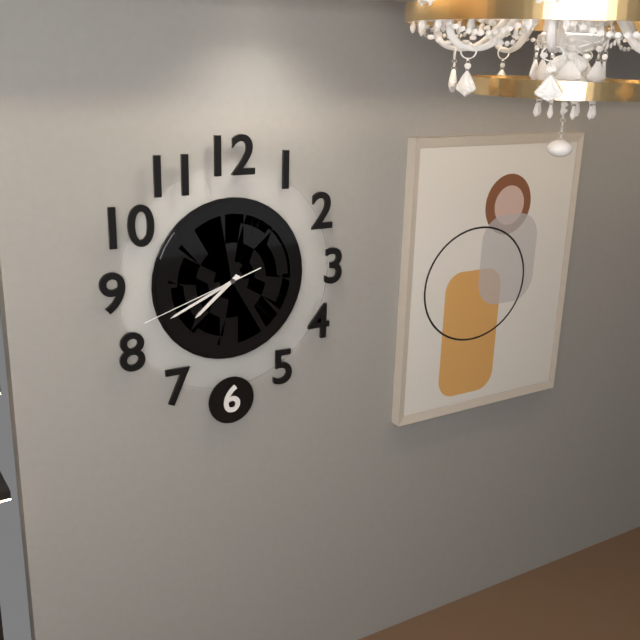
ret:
7:41:42
